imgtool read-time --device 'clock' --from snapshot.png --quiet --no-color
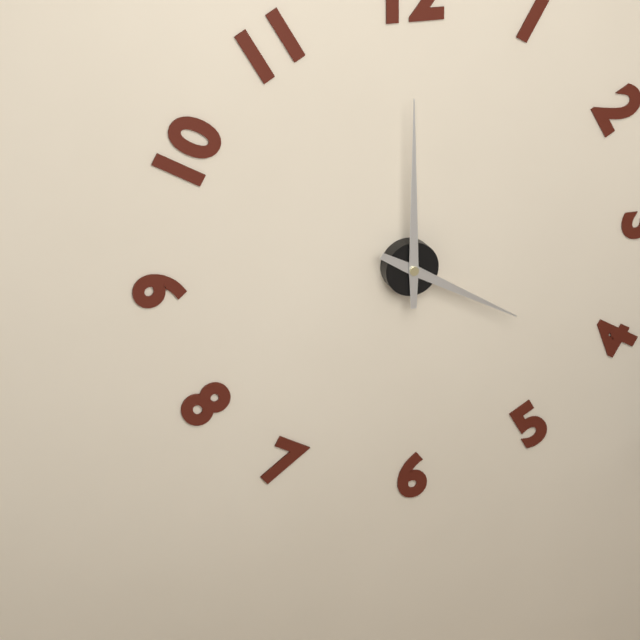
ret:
4:00
